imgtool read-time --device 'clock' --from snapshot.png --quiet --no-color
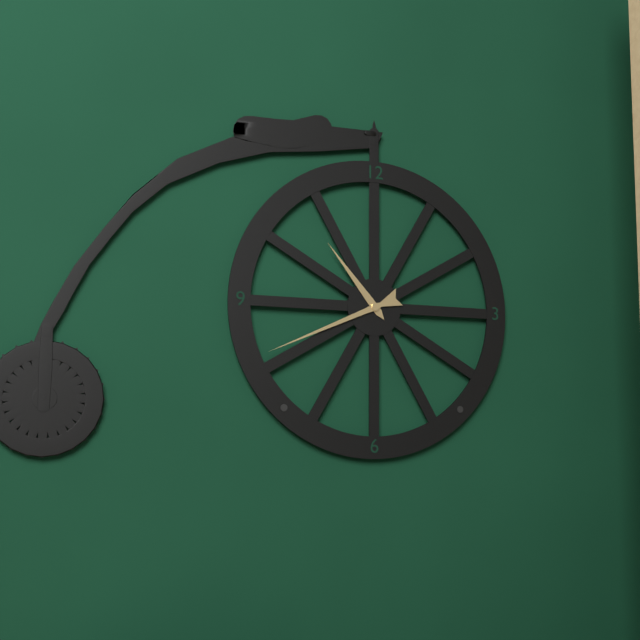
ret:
10:41
